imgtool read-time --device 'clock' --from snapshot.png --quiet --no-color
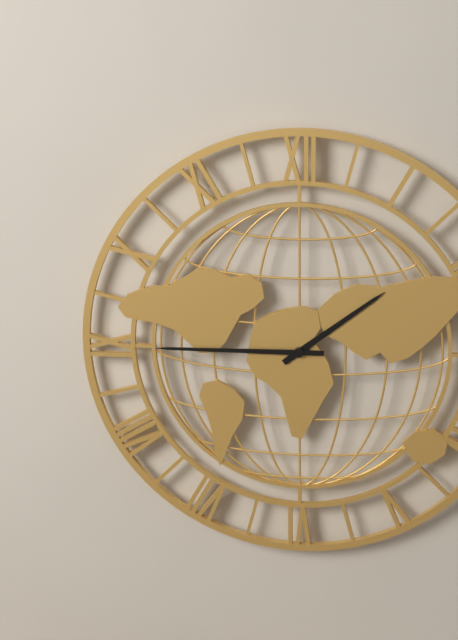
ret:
1:45
